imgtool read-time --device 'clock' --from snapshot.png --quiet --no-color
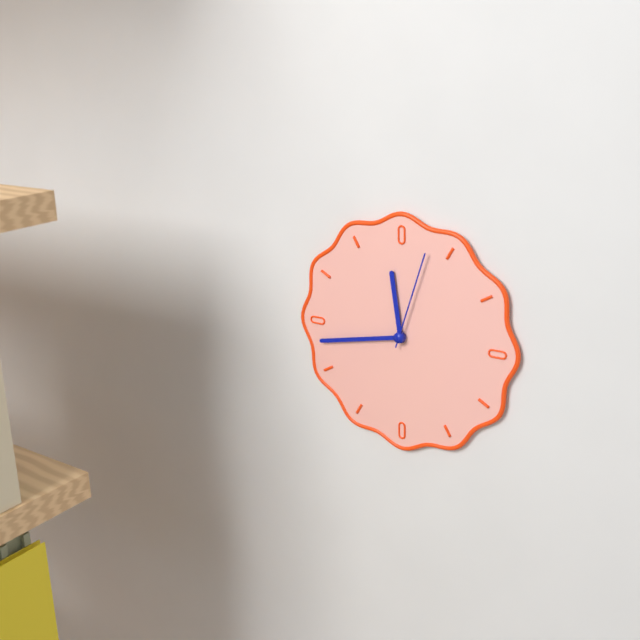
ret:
11:43:03
